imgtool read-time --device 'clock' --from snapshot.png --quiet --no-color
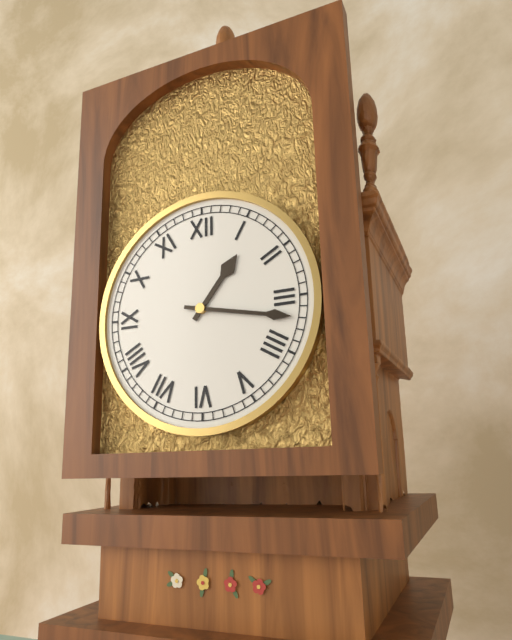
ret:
1:17
